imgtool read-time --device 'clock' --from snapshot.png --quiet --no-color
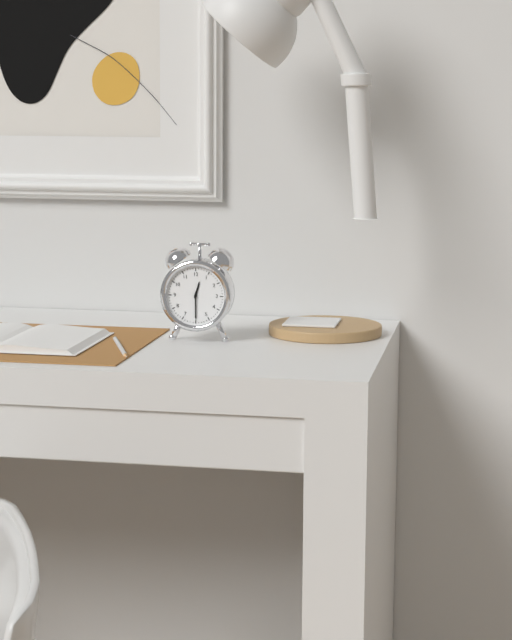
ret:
12:30
